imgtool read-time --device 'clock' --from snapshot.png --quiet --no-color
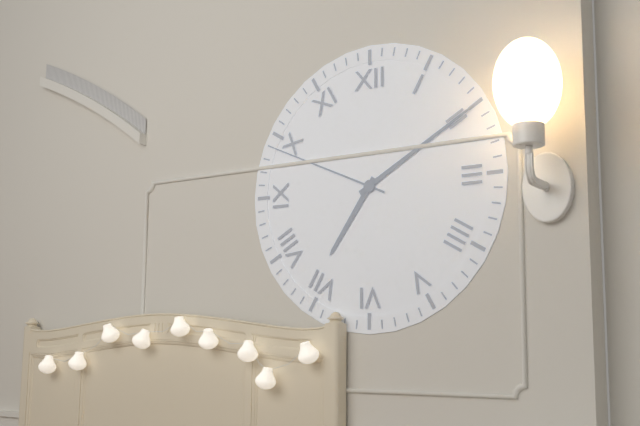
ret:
7:10:49
